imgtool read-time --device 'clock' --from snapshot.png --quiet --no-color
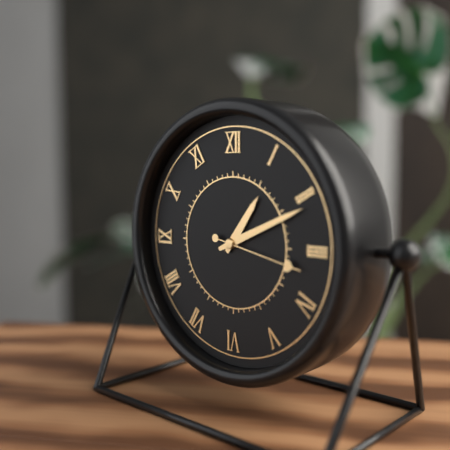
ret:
1:11:17
